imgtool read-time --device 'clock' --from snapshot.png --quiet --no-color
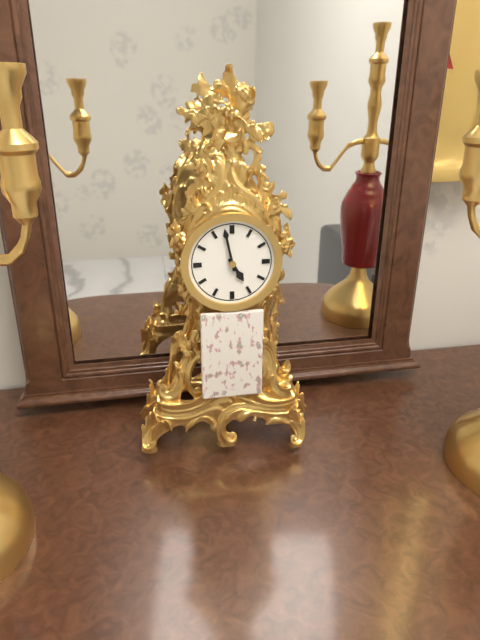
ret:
4:58
